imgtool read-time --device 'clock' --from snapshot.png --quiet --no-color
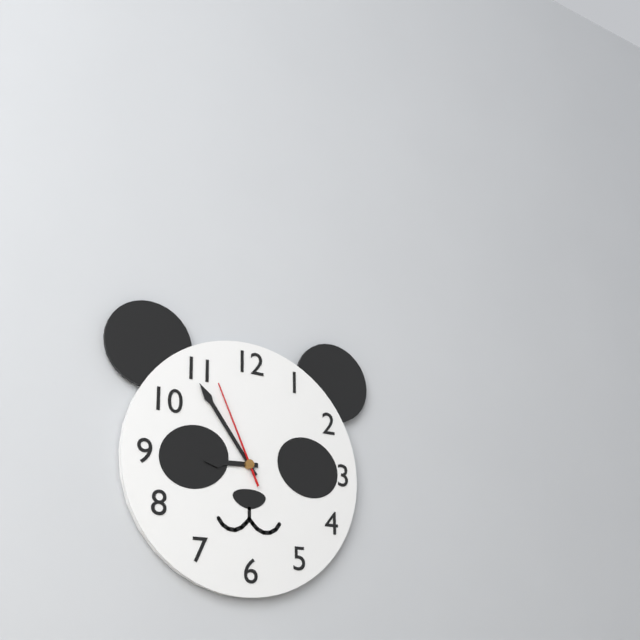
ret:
8:54:56
